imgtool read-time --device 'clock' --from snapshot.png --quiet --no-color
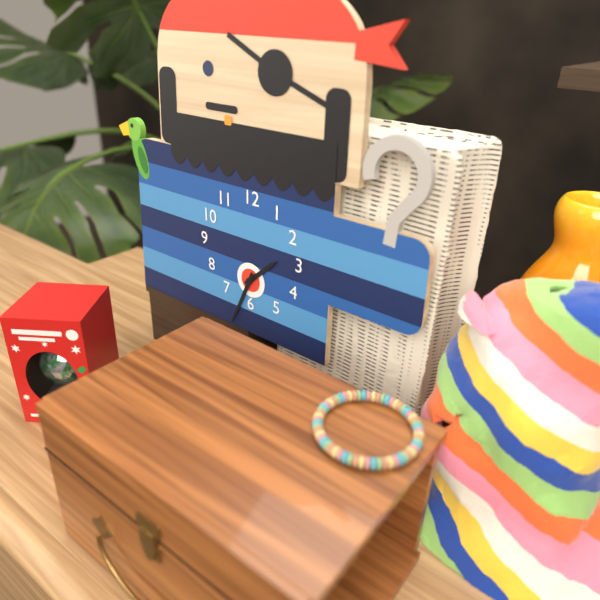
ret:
1:34
